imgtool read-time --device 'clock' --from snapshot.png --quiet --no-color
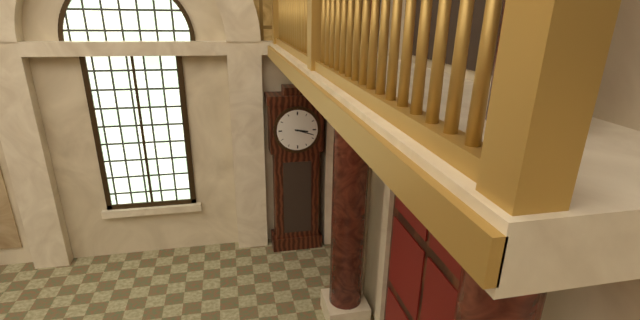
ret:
3:18
